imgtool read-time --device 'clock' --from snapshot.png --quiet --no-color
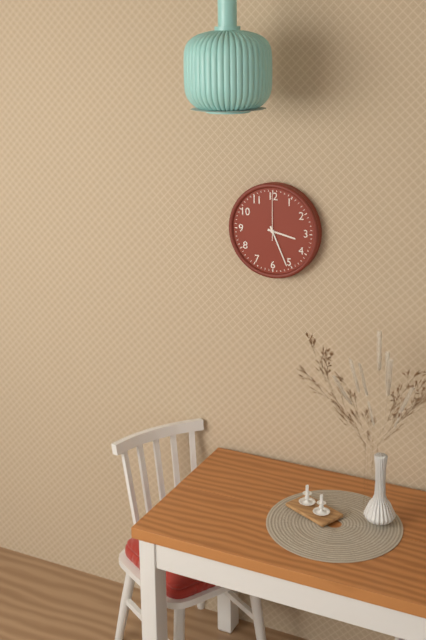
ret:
3:26
